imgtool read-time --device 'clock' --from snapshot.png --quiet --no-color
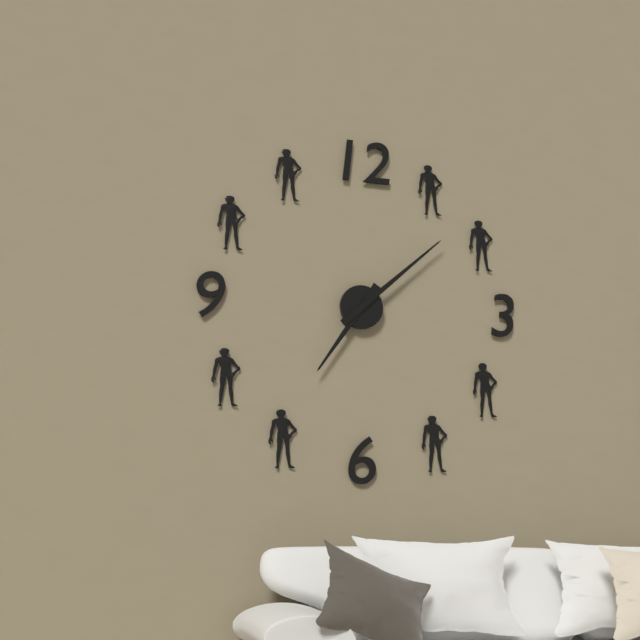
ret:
7:08
